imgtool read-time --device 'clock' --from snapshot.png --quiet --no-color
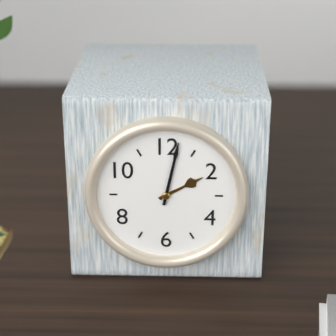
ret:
2:02
